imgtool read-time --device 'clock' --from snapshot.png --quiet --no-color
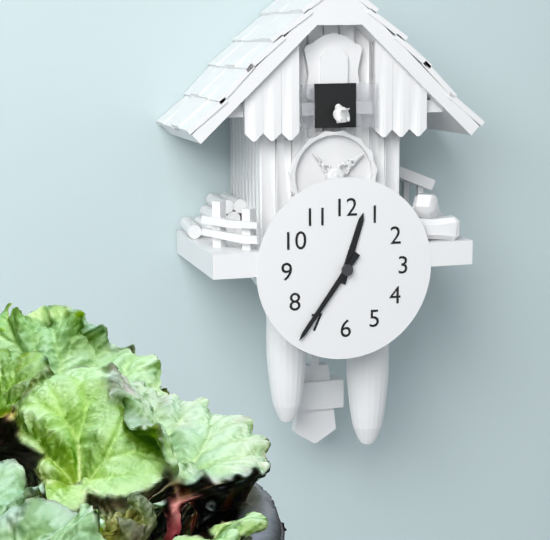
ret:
12:36
